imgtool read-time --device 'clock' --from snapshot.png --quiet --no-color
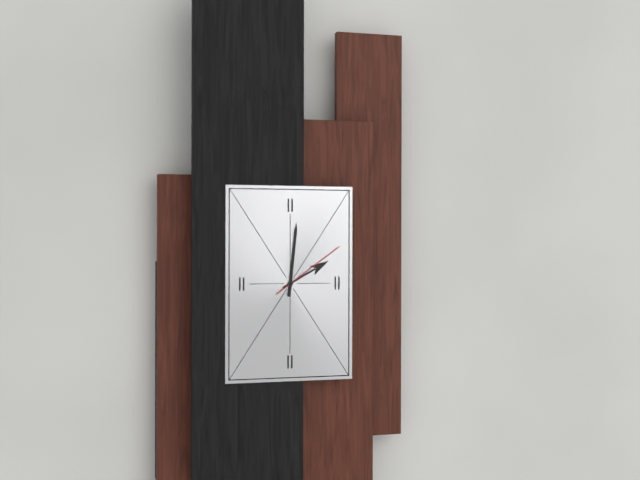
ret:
2:01:09
